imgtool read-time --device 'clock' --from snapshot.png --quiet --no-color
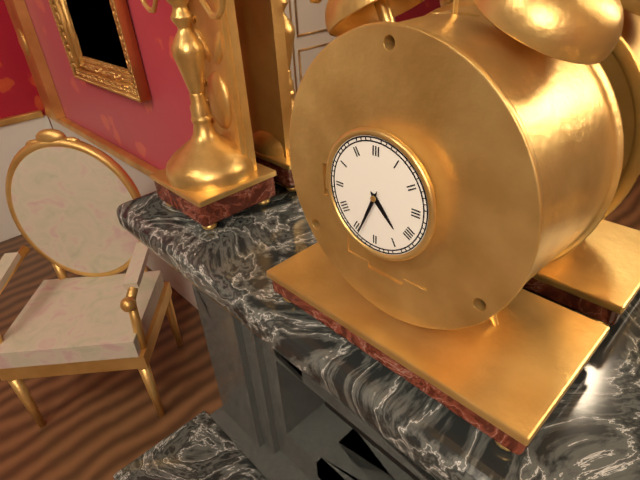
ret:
4:34
